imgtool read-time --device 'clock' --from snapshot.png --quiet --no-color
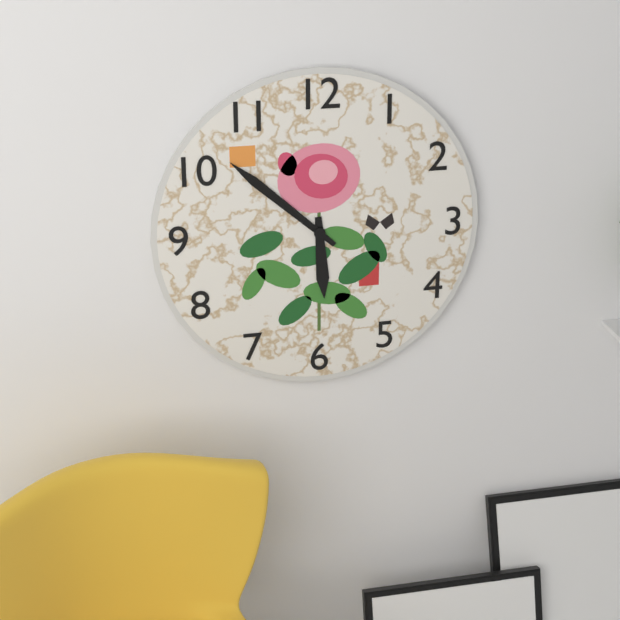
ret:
5:52
